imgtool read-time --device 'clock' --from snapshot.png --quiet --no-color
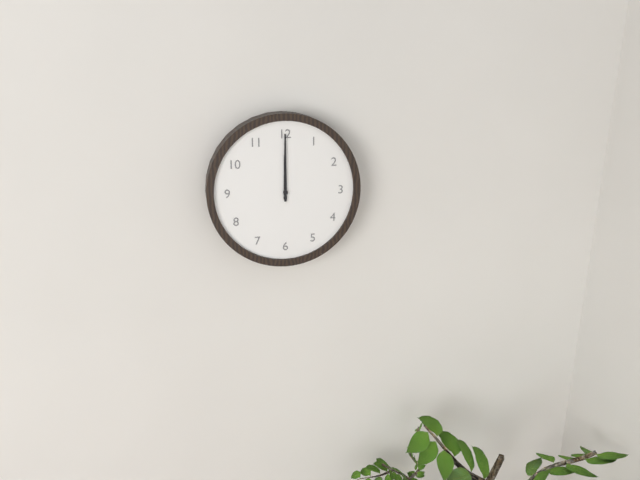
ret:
12:00
